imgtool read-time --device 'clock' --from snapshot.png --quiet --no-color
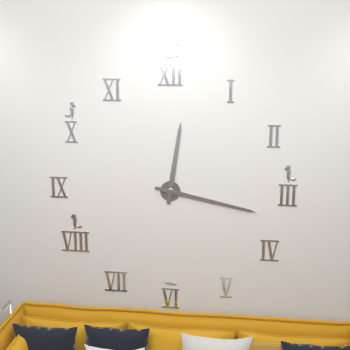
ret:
12:17
